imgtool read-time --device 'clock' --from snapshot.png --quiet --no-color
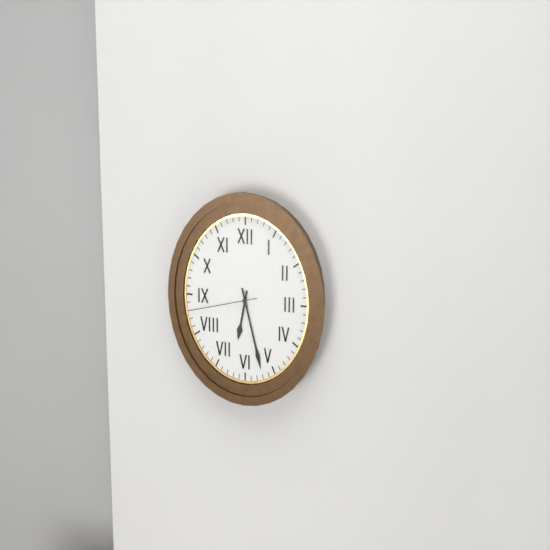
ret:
6:27:43
